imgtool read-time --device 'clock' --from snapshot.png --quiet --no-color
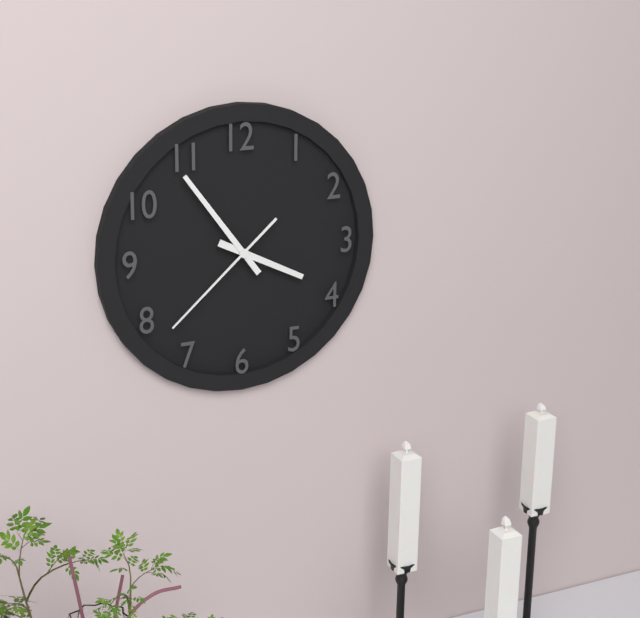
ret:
3:54:38
